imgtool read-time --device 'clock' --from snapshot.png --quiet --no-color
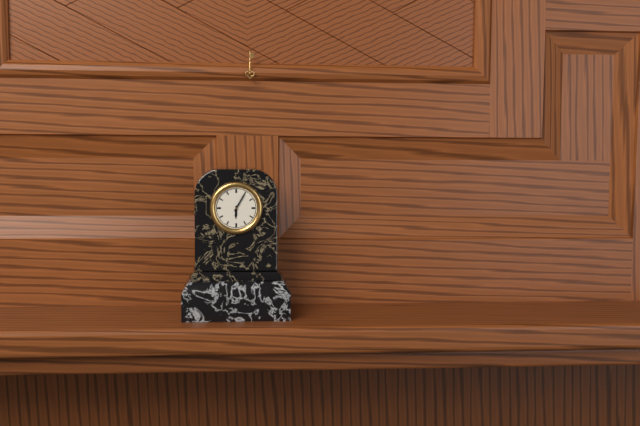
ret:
6:05
